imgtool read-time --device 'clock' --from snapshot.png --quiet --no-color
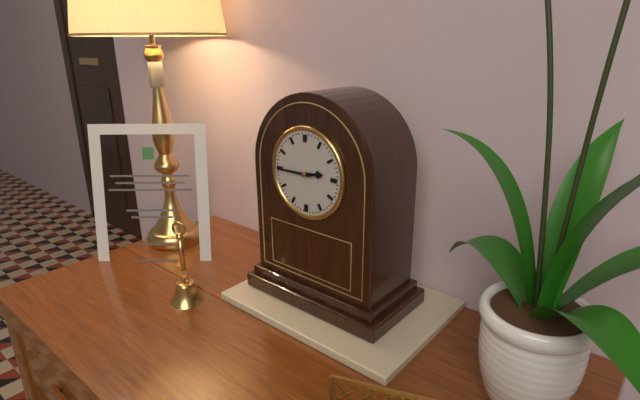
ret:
2:45
